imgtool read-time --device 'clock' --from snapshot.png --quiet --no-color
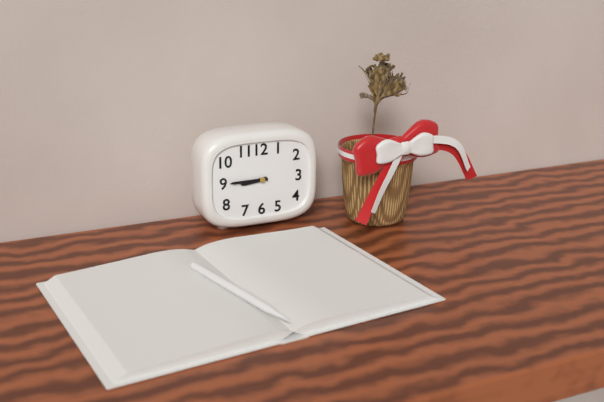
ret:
8:45
